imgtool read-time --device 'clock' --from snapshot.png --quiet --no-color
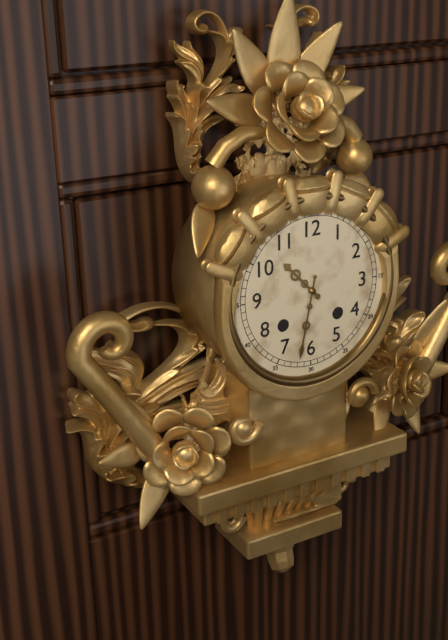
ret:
10:32
